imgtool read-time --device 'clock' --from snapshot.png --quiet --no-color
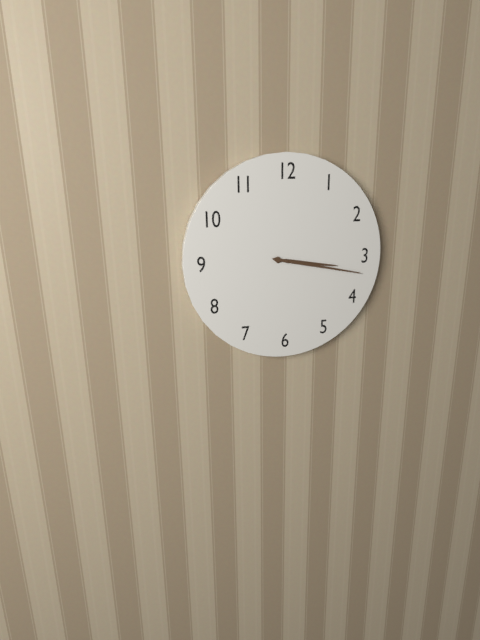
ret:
3:17
